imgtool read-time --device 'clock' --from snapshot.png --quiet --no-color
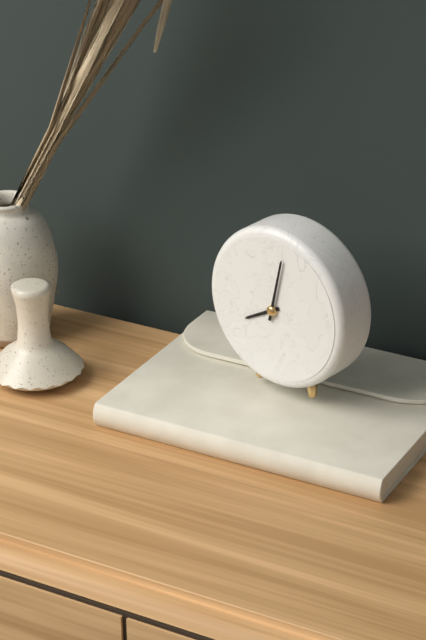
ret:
8:02
